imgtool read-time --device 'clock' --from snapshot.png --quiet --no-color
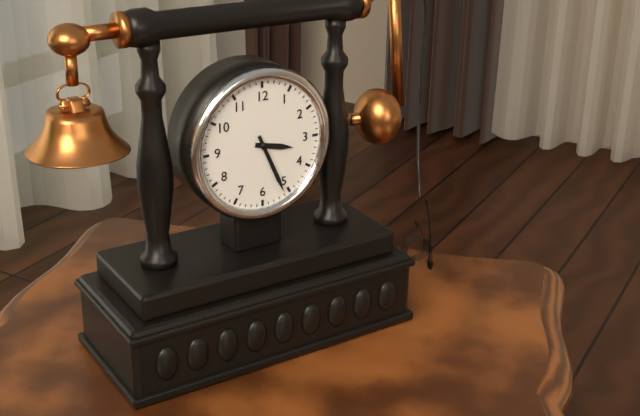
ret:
3:26
